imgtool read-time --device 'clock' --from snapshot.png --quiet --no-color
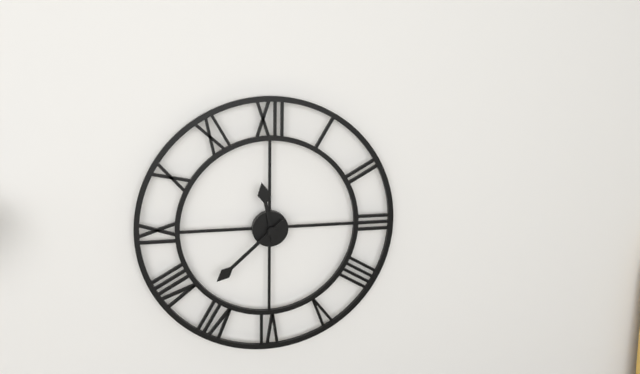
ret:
11:38
